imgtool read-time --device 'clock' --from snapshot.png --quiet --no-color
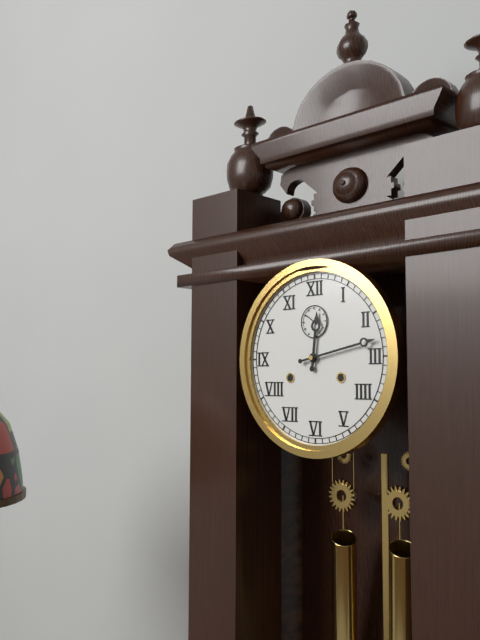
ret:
12:13
